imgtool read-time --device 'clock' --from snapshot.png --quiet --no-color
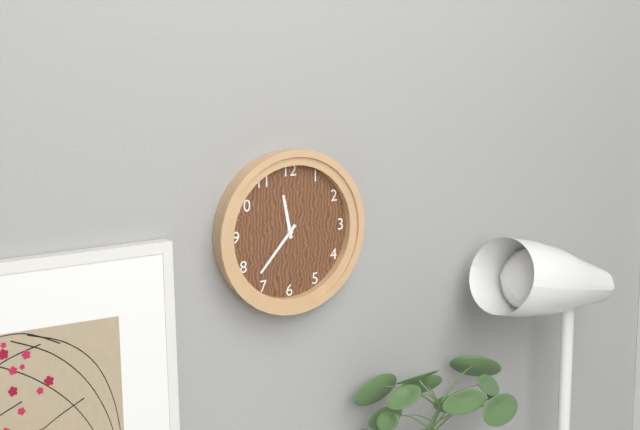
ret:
11:37
